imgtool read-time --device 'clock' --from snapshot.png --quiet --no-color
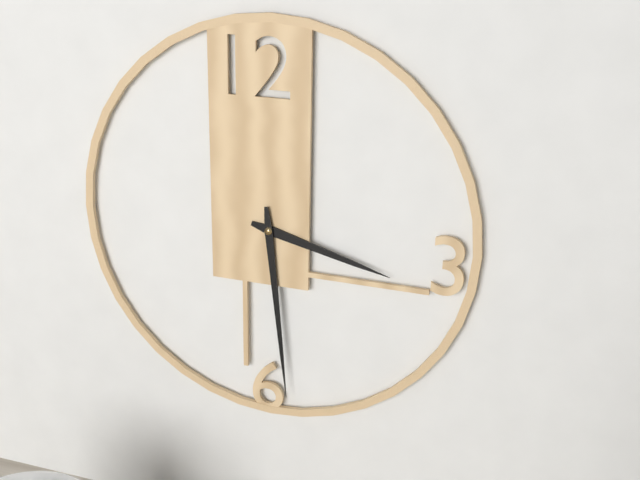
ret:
3:29
